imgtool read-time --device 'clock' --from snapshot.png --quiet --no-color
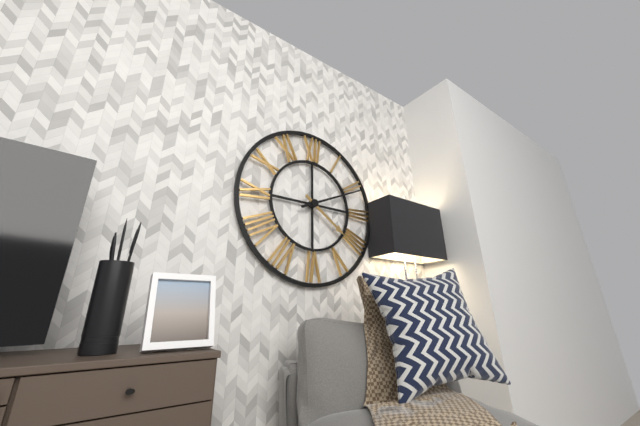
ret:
4:11
